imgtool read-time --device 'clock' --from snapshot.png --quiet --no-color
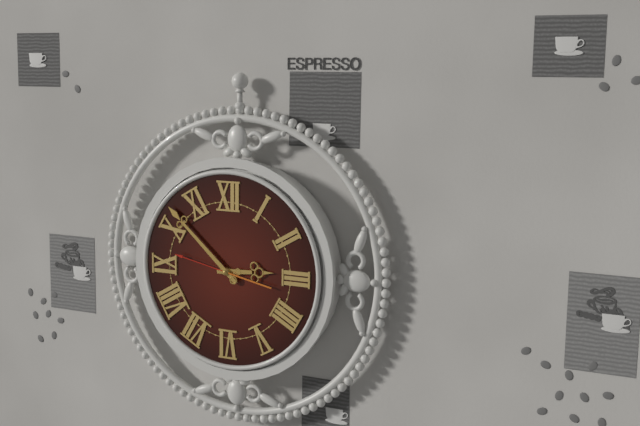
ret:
2:52:47
